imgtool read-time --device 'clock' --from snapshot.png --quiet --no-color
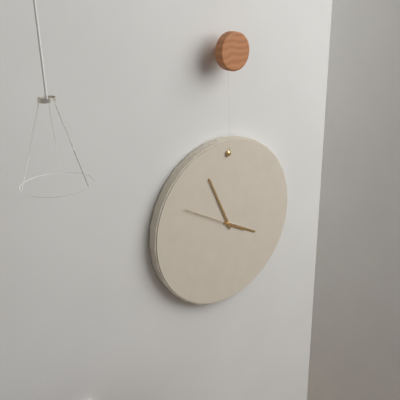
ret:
3:56:50
